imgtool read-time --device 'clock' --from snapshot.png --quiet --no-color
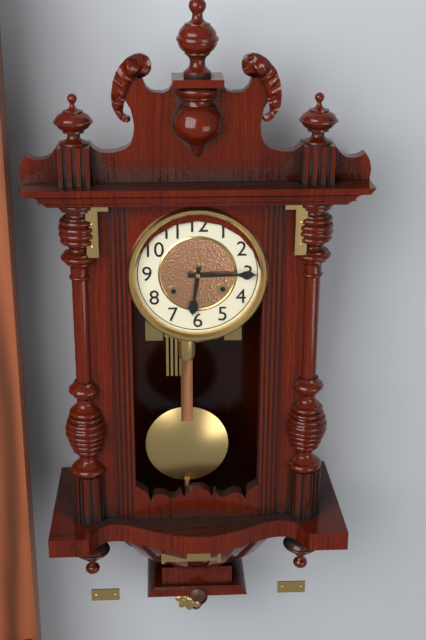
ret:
6:15
